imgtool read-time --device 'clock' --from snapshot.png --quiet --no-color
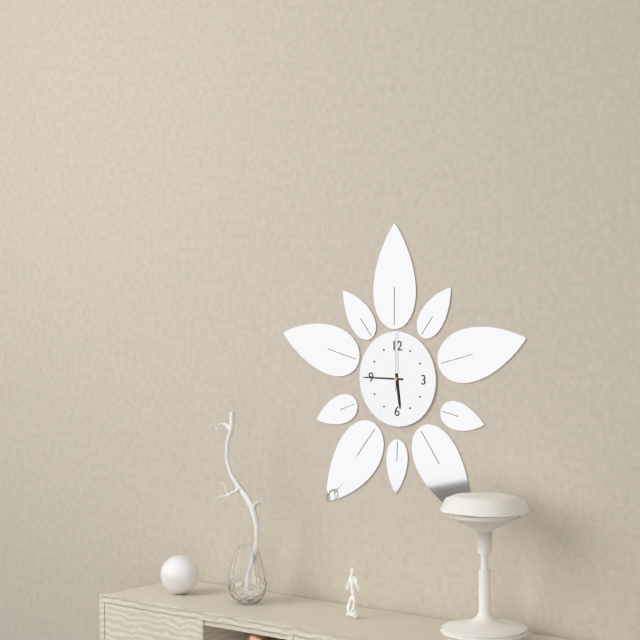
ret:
5:45:00
